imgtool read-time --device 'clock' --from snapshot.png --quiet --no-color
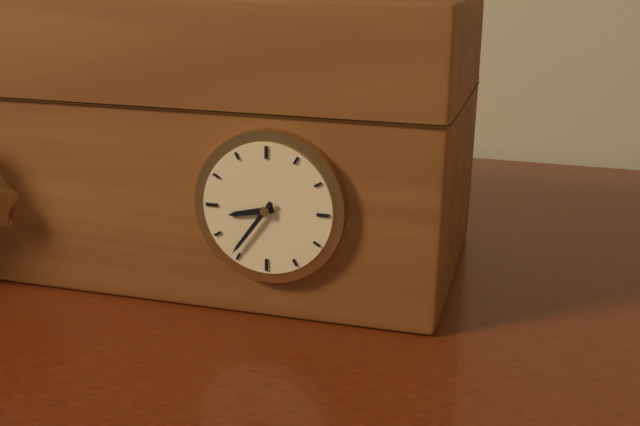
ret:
8:36
